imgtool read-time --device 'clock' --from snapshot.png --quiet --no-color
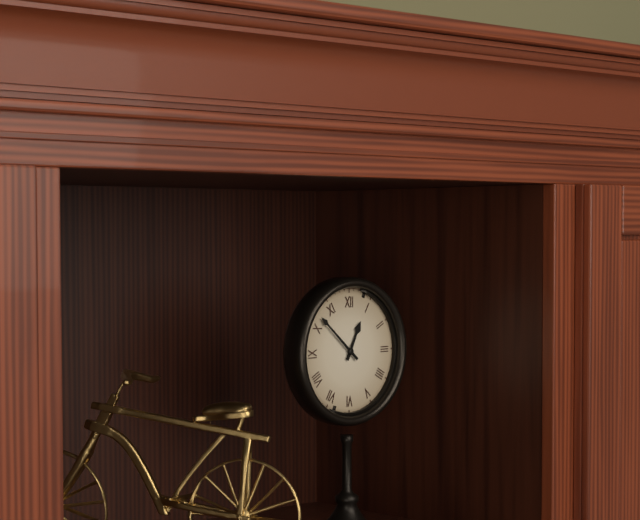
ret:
12:52
